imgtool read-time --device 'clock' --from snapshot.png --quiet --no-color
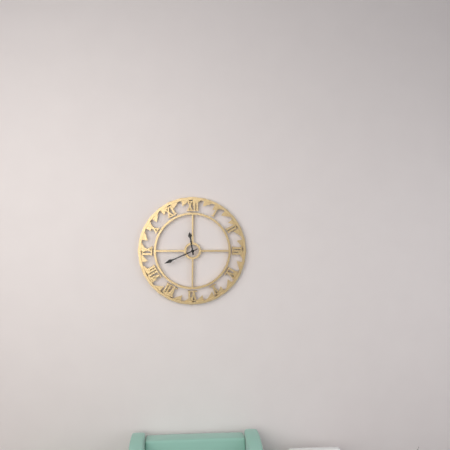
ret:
11:41
